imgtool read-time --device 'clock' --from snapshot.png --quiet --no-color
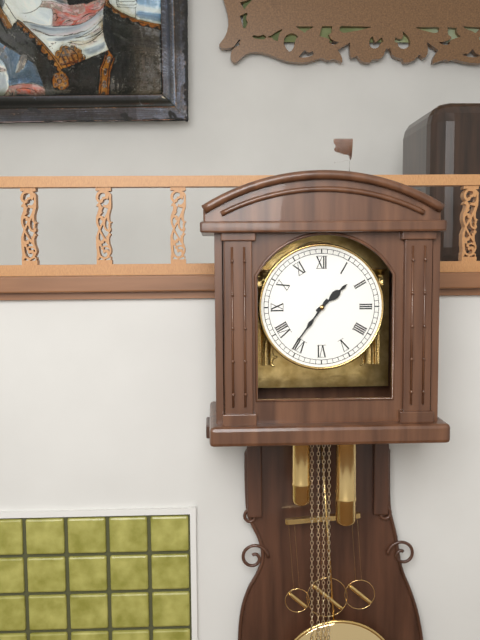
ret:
1:36
